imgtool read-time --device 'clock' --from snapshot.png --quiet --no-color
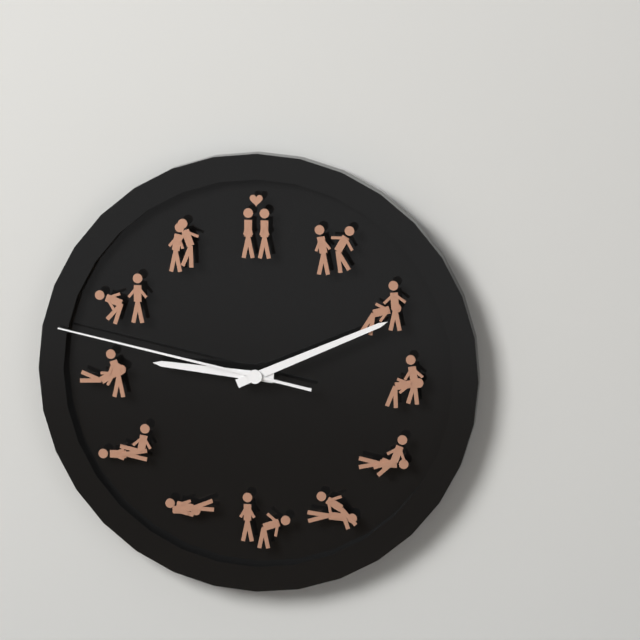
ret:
9:11:47
